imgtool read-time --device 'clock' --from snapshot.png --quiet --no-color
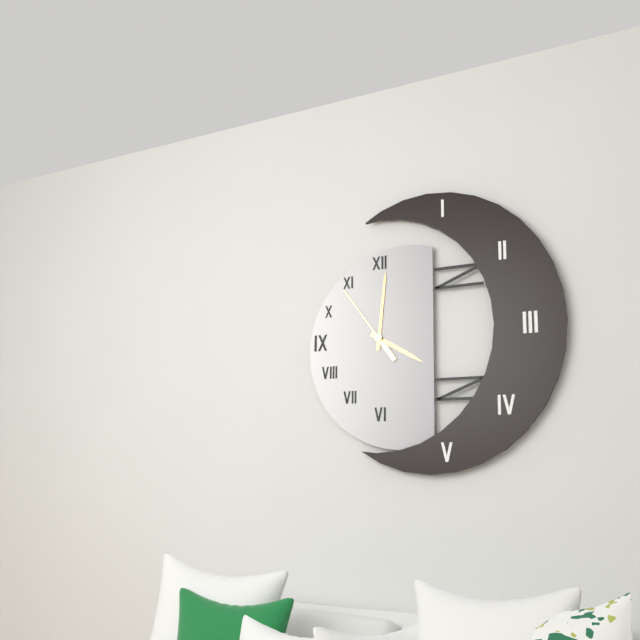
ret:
4:01:54
